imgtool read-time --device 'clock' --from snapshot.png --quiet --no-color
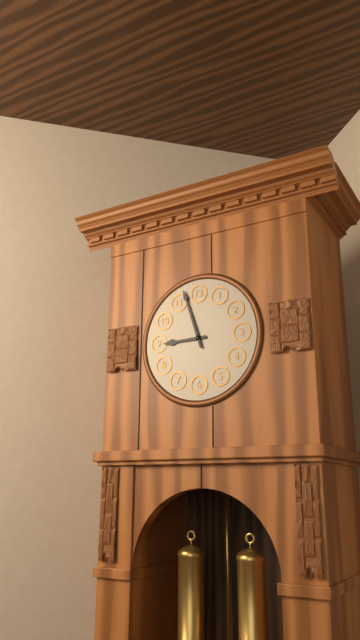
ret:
8:57
